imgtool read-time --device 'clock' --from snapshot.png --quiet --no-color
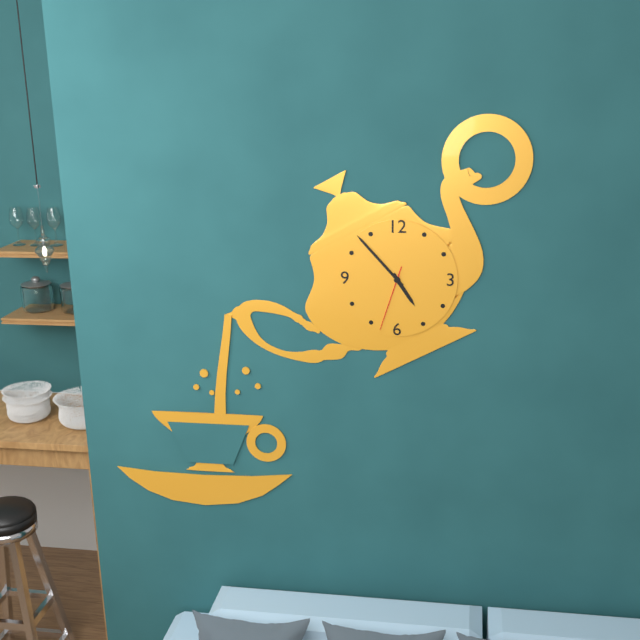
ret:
4:53:33
